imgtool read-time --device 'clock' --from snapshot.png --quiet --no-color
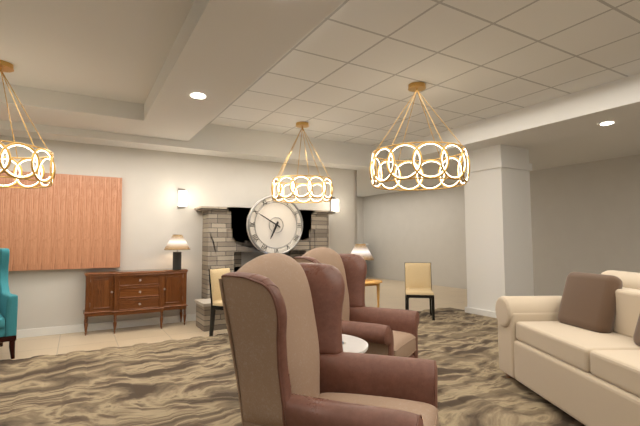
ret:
6:50
